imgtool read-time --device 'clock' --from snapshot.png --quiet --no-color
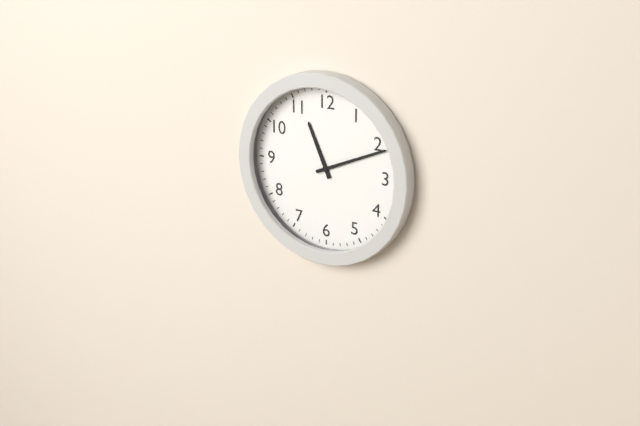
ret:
11:11
